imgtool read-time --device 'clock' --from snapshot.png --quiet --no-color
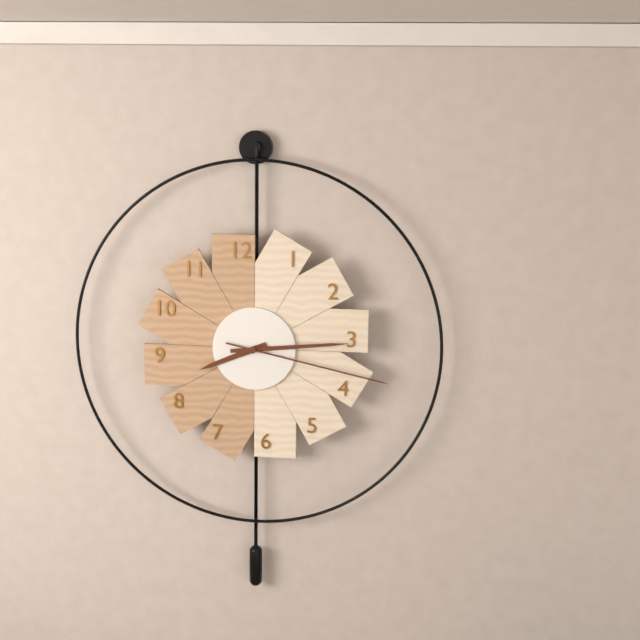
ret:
8:14:17
